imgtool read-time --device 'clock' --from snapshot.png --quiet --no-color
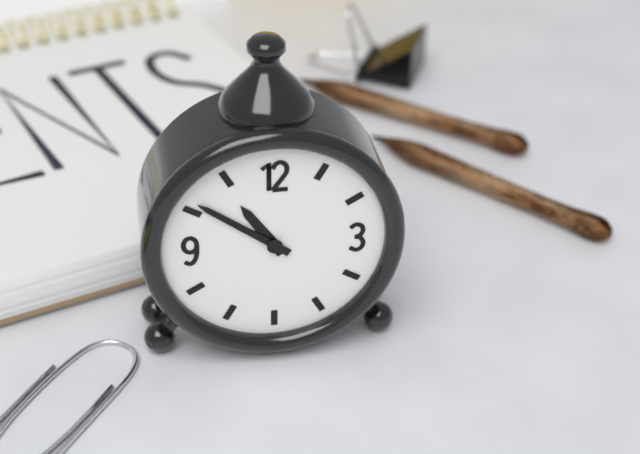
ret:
10:51
